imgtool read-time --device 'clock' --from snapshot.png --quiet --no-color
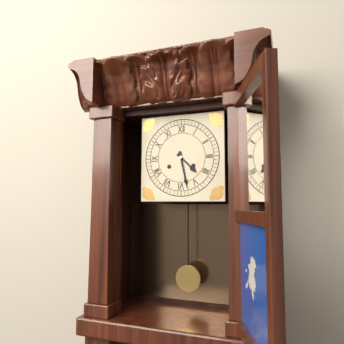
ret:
4:28
